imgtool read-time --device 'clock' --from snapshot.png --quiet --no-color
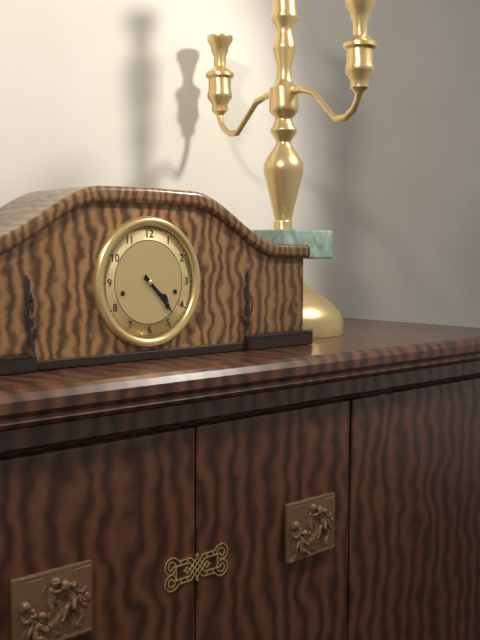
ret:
4:23
